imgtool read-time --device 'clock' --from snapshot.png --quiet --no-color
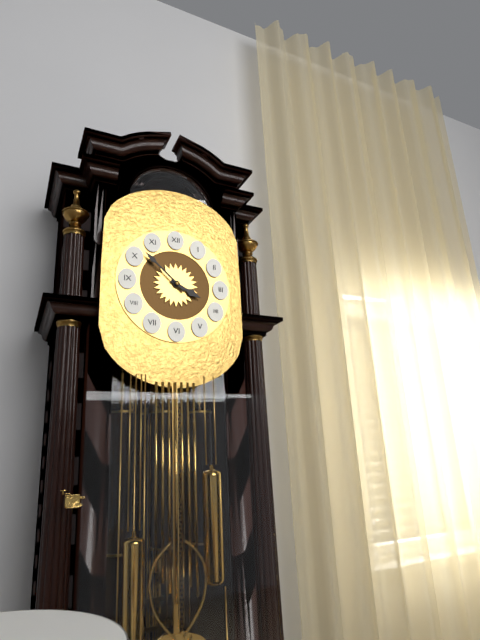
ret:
3:52
